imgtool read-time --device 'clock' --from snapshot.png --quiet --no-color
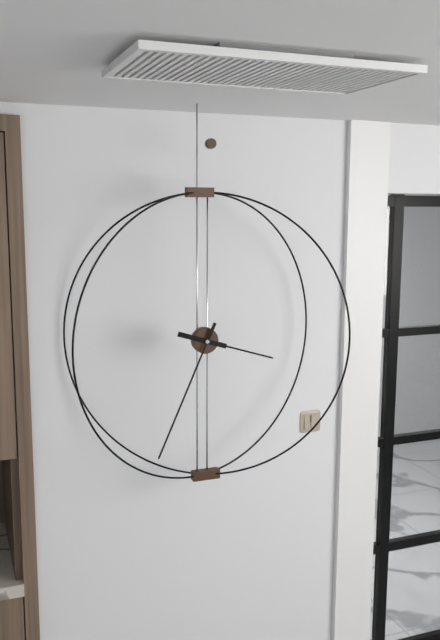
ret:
3:34
